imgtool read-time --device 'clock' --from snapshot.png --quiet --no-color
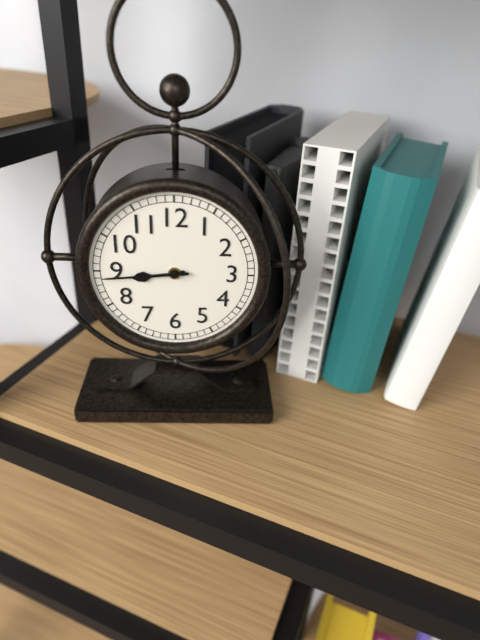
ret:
8:44
